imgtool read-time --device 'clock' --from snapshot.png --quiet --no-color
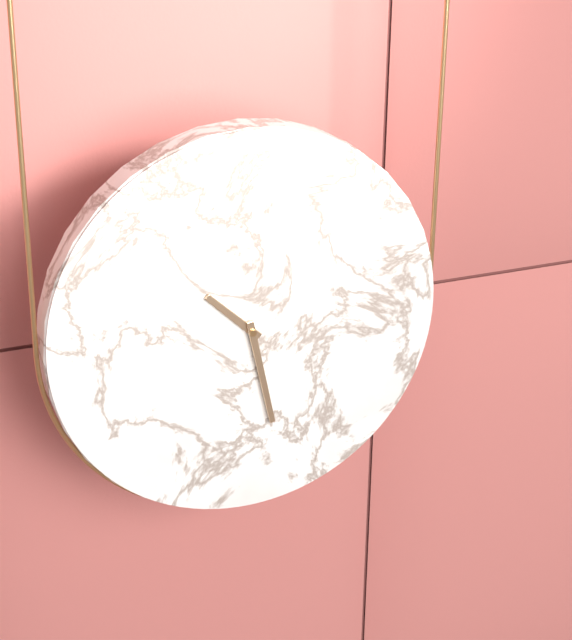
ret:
10:28
